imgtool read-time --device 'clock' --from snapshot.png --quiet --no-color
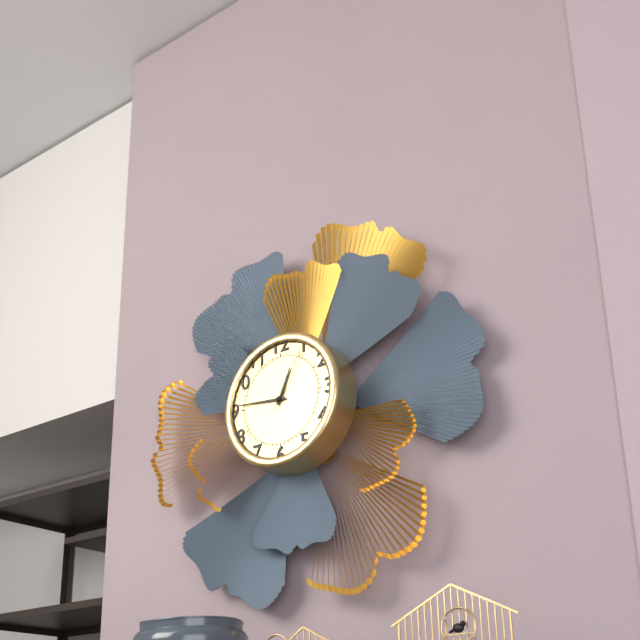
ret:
12:46:05
